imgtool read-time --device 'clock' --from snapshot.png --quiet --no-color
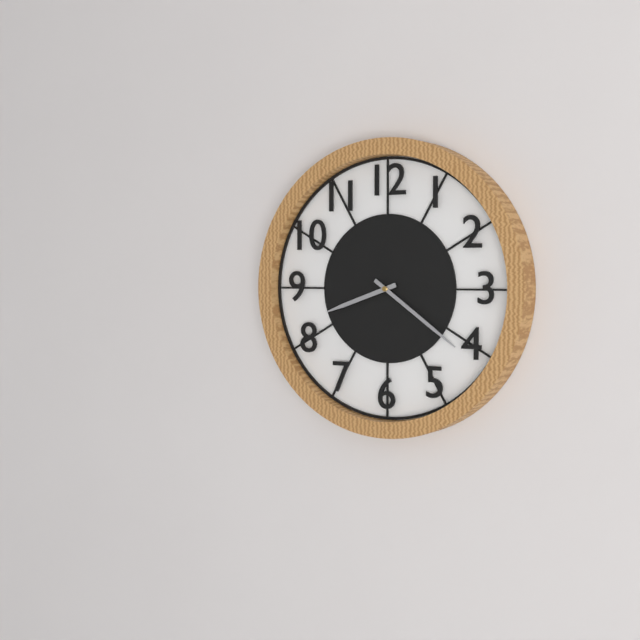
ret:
8:21
